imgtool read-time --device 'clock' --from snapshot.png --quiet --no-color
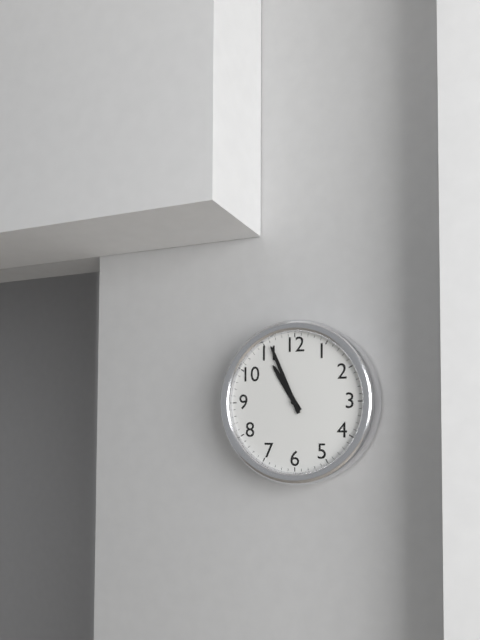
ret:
10:56
